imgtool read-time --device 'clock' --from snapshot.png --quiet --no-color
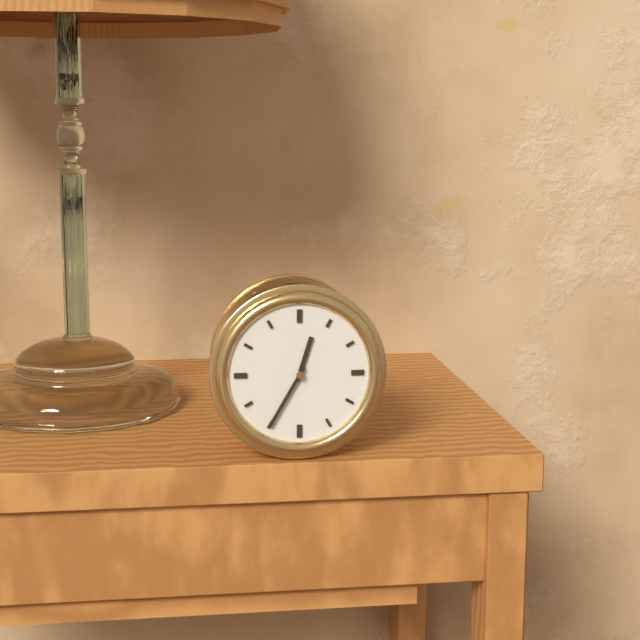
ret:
12:35
